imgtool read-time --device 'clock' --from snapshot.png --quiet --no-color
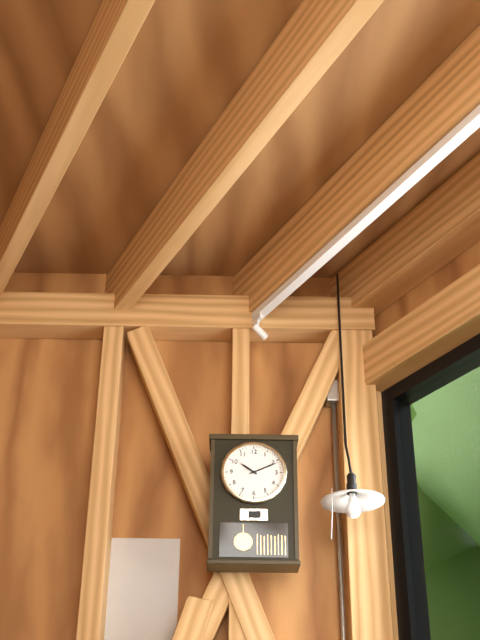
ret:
10:11
